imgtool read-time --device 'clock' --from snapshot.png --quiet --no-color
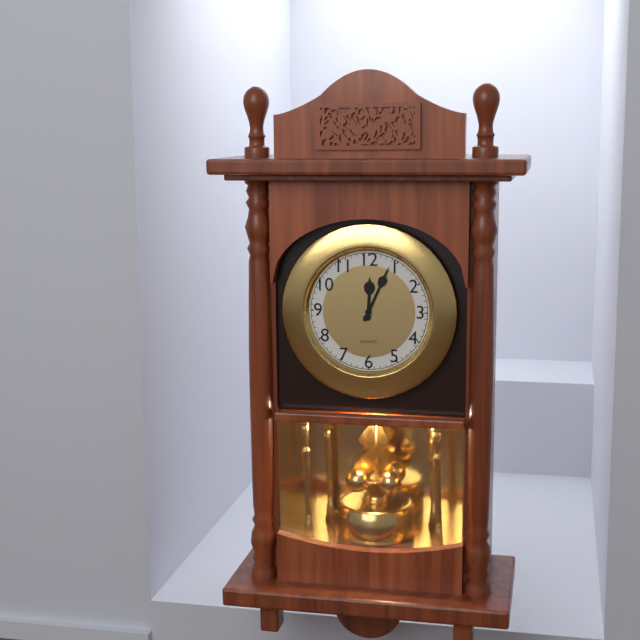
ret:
12:04
